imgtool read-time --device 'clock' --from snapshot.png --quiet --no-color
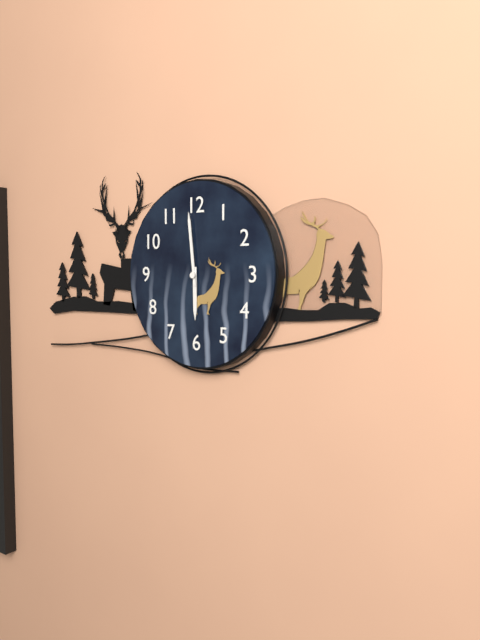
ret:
5:59
